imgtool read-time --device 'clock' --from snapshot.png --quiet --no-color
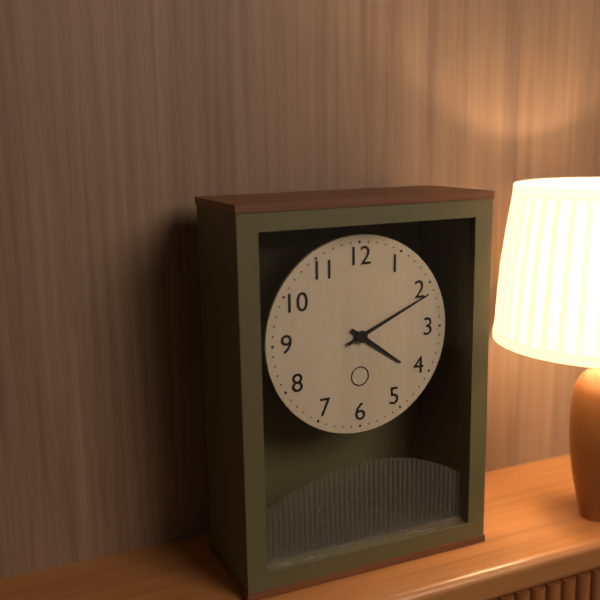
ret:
4:11
